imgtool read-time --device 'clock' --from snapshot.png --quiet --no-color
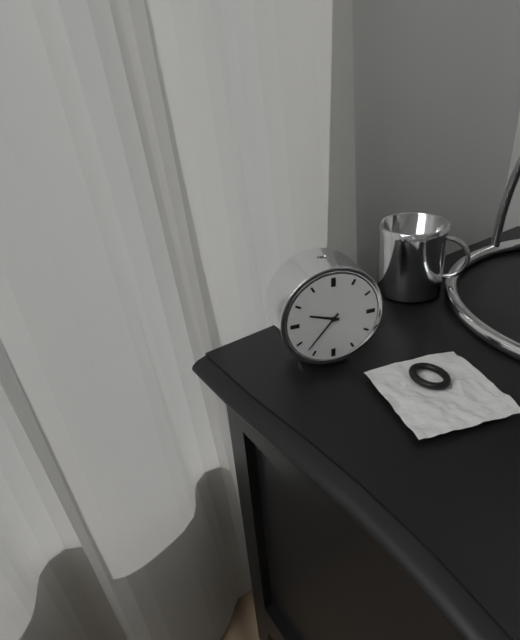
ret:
9:37
